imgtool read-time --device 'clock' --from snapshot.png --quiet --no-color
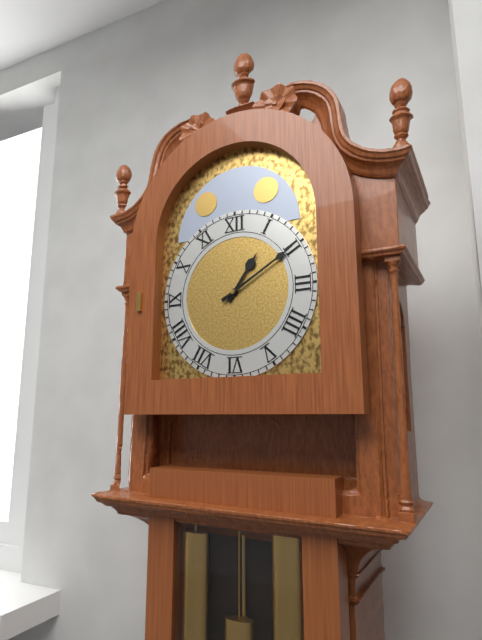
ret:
1:10
